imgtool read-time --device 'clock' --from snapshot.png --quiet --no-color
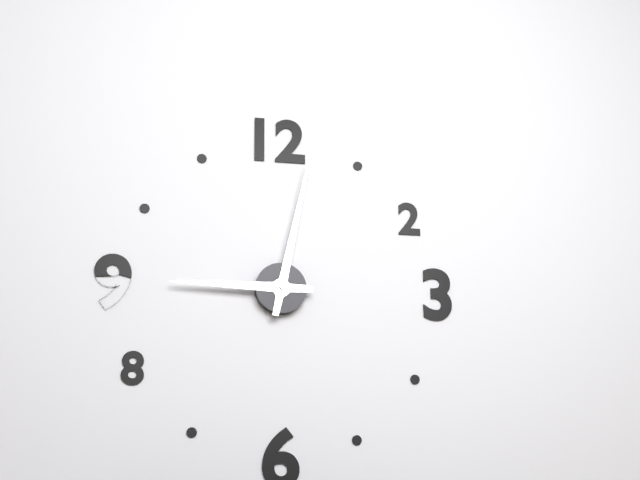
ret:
9:02
